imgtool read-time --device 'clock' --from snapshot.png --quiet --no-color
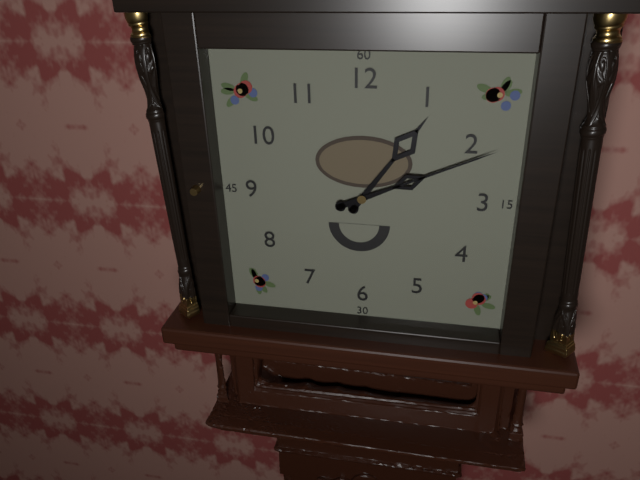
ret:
1:11
